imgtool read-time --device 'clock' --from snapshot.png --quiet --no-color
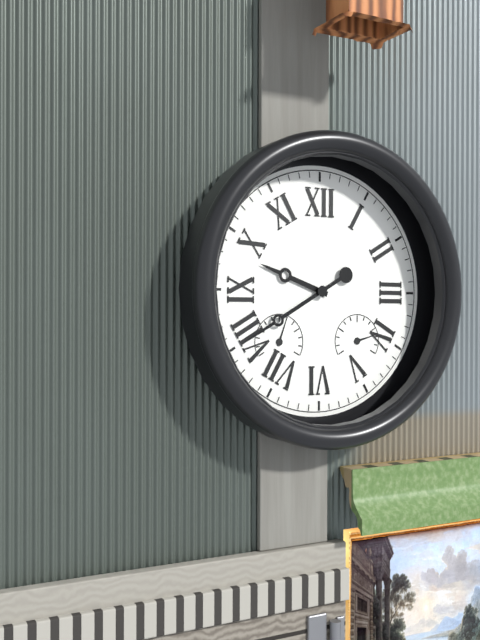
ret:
9:40
